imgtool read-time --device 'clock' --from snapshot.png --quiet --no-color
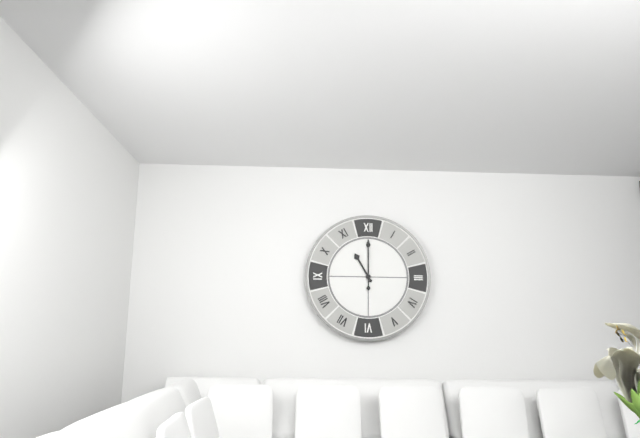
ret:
11:00
